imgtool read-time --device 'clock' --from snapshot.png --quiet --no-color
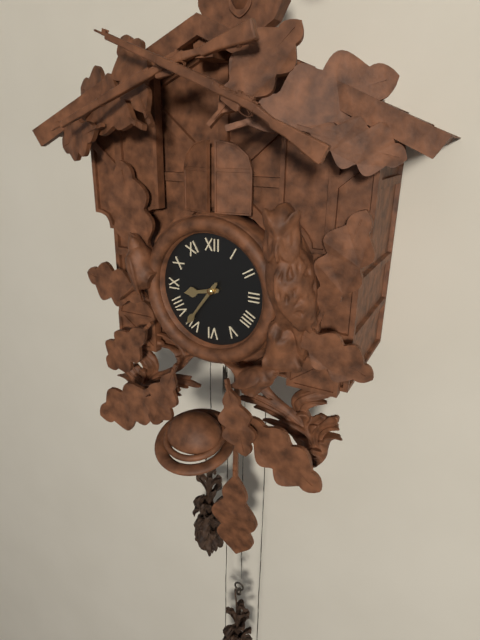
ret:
8:36
